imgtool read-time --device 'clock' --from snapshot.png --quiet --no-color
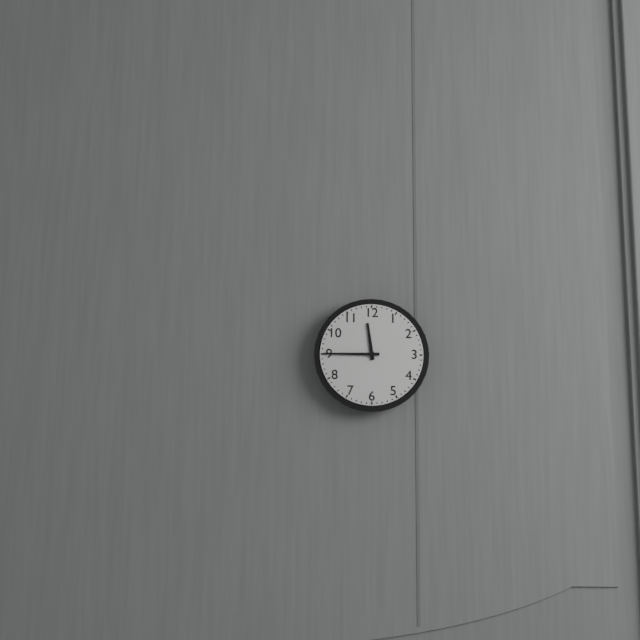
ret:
11:45
